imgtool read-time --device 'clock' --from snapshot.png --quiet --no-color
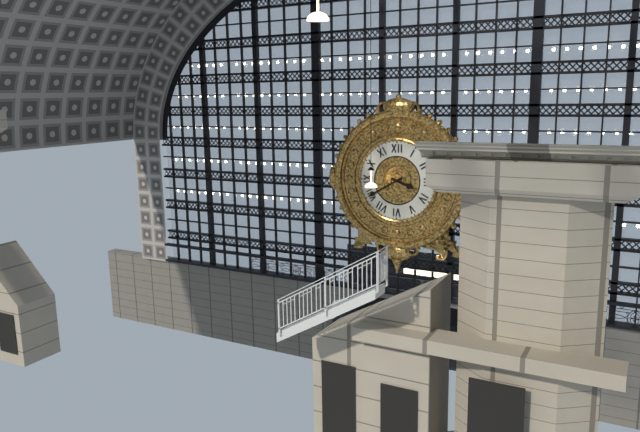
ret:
3:40
